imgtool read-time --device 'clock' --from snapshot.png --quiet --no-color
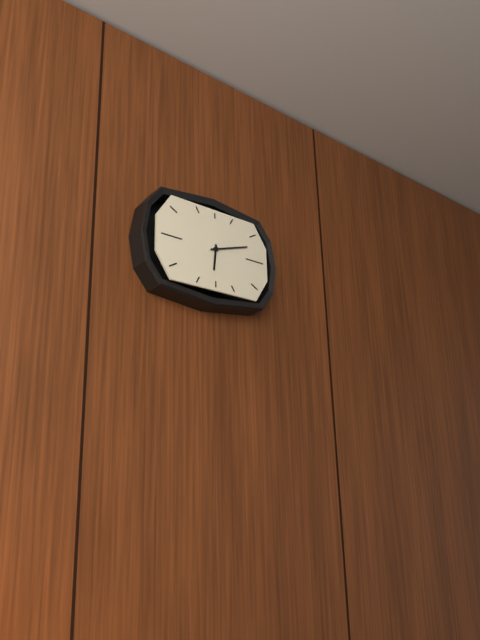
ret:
6:12
